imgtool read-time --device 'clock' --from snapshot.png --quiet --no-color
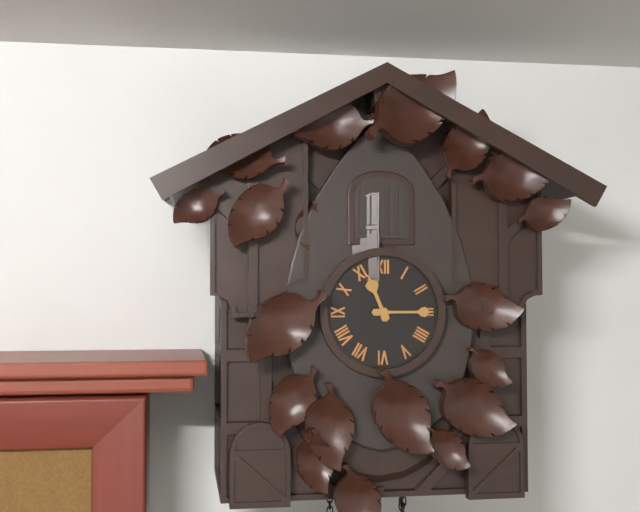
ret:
11:15
